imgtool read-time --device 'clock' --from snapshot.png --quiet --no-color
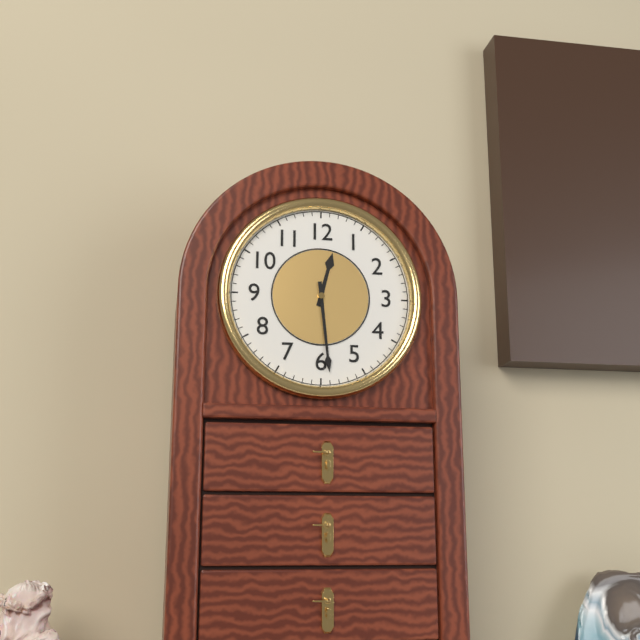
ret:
12:29
